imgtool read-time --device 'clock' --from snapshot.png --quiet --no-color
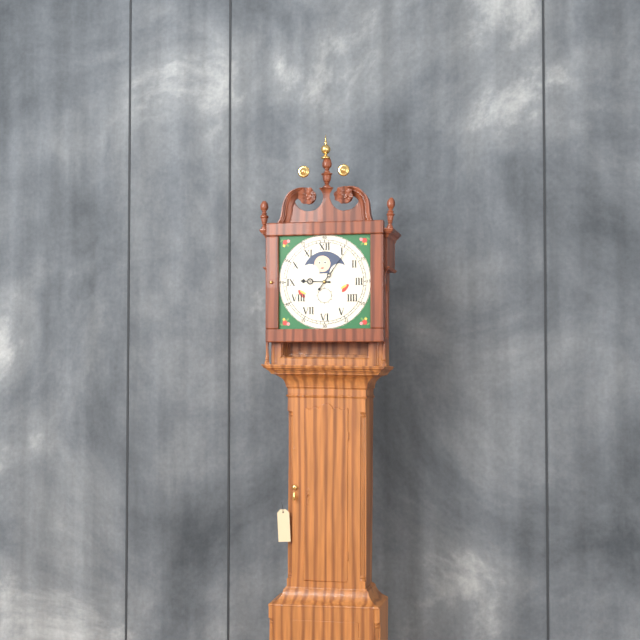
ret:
9:06
